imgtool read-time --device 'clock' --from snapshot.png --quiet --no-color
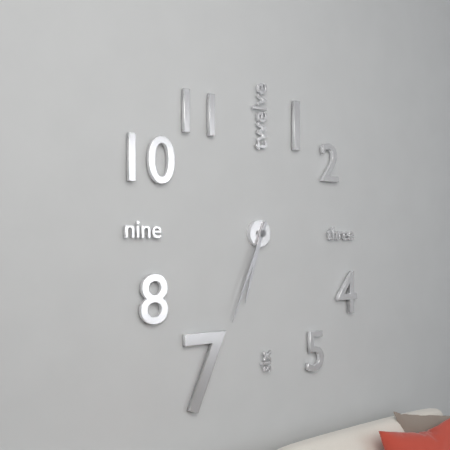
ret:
6:34
